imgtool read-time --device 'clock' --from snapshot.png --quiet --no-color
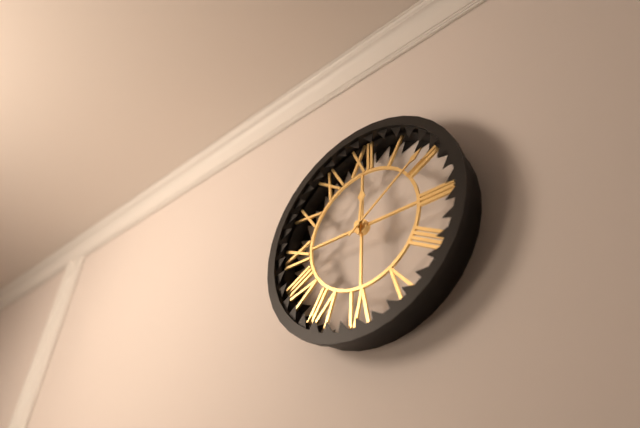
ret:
12:09
